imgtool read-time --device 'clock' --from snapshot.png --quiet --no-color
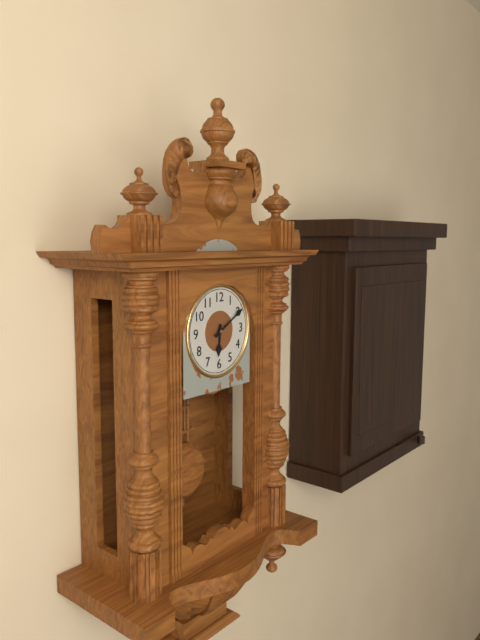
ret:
6:10
